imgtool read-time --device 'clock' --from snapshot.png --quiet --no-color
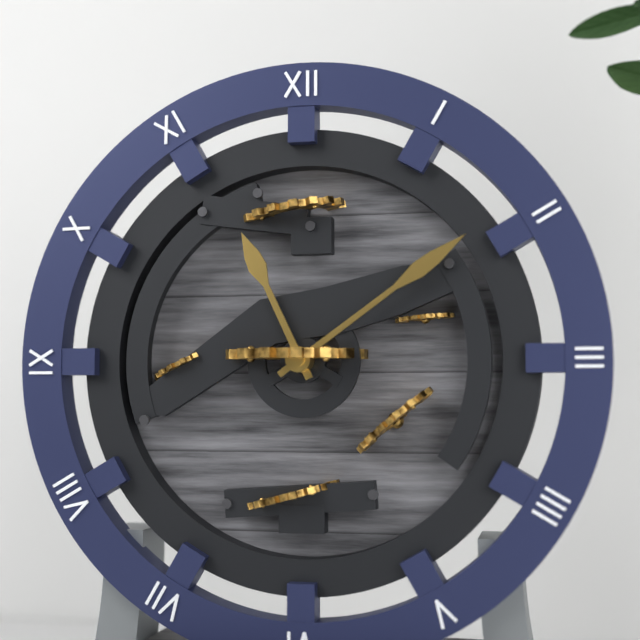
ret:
11:09
